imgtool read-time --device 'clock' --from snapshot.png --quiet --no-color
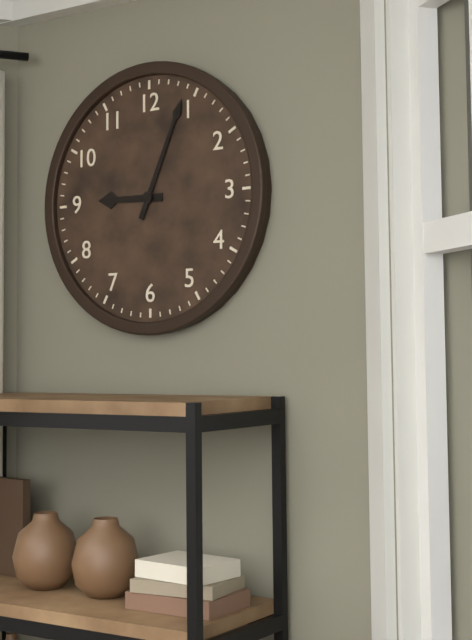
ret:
9:04
